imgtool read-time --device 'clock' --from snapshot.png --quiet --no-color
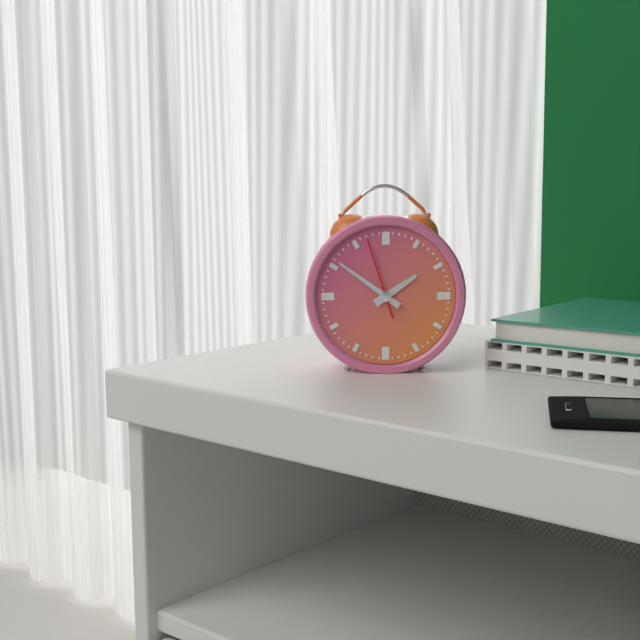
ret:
1:51:57
